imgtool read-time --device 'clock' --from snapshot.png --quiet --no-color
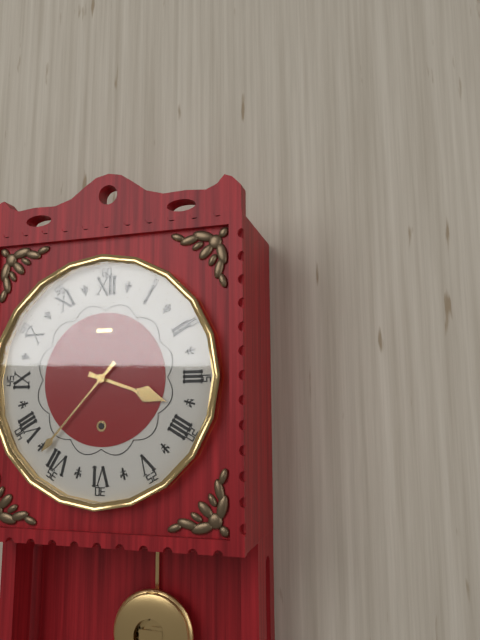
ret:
3:37
